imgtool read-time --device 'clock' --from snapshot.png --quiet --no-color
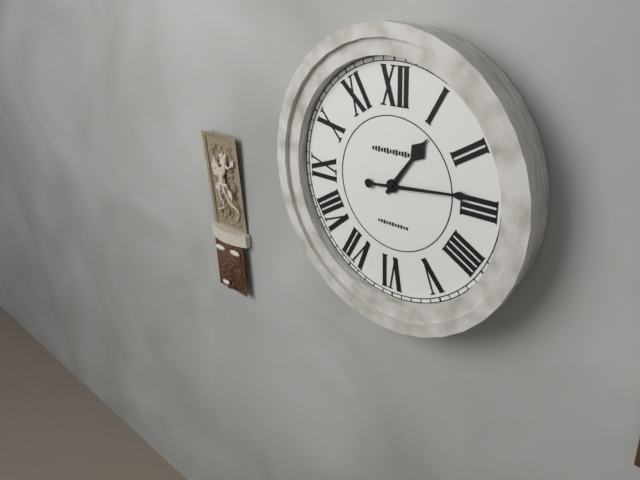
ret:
1:14
